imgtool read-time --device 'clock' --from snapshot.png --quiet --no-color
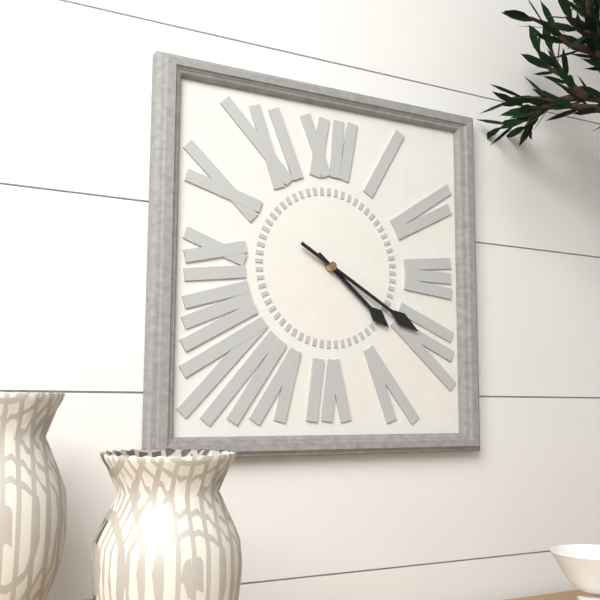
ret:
4:20
